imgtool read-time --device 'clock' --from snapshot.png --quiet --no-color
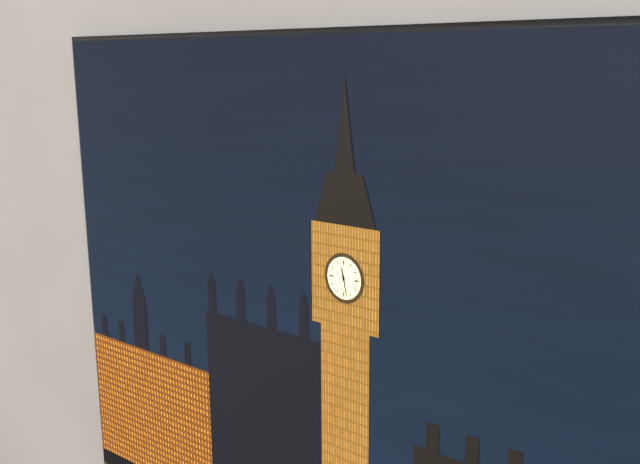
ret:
11:28
